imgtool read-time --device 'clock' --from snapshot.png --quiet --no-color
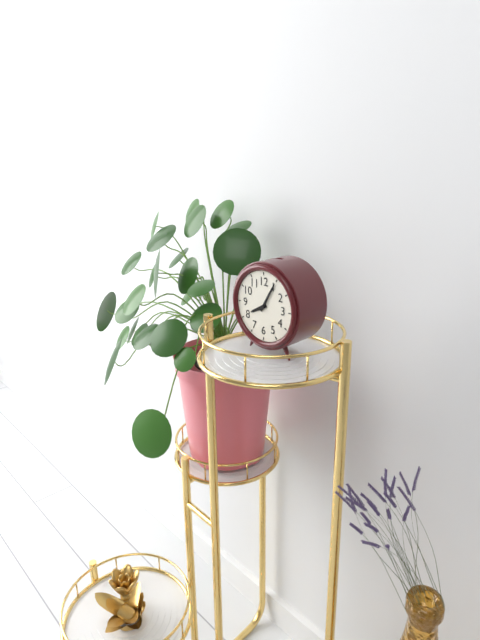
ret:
8:05
